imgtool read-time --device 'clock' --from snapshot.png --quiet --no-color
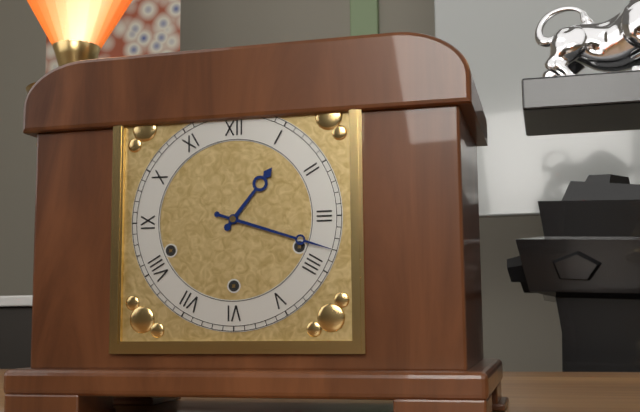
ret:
1:18
